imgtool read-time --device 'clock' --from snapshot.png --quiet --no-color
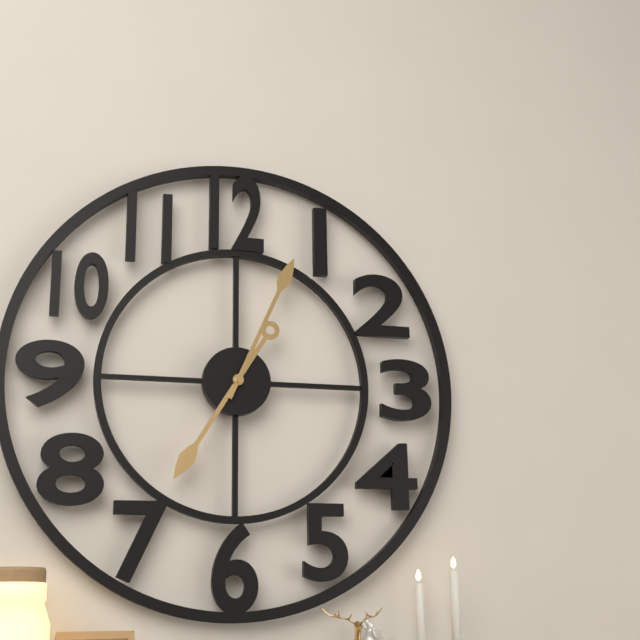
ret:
7:04
